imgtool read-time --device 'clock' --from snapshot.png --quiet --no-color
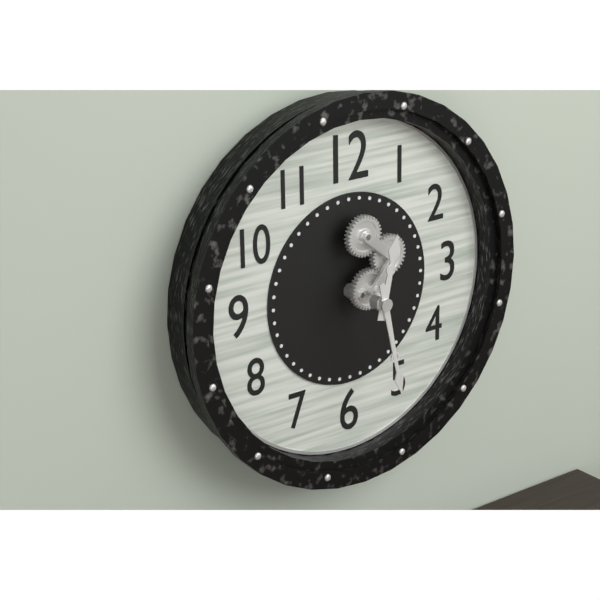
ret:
12:28
